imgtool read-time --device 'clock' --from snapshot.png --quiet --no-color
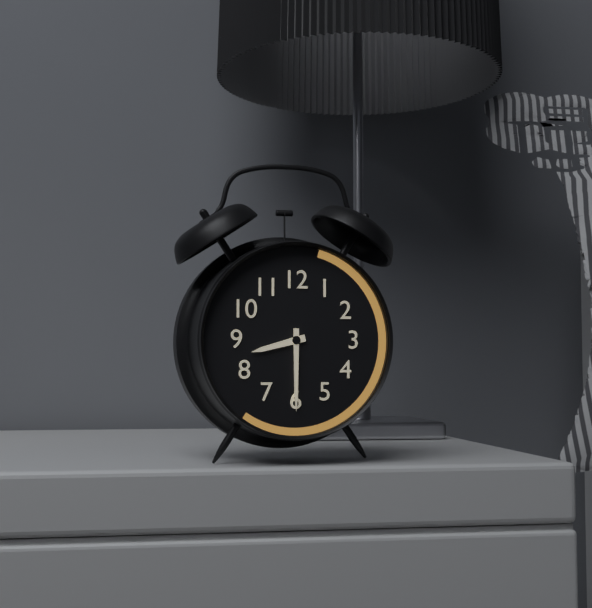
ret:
8:30
